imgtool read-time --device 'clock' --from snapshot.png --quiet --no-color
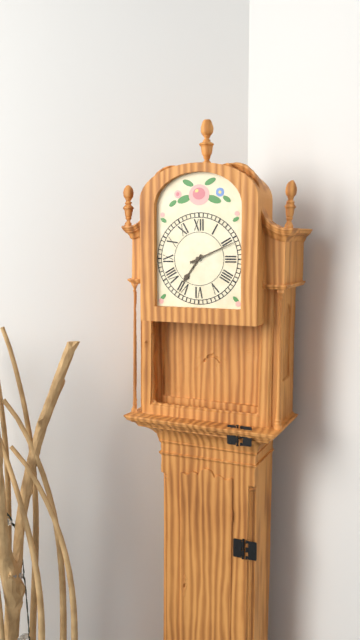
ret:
7:11
